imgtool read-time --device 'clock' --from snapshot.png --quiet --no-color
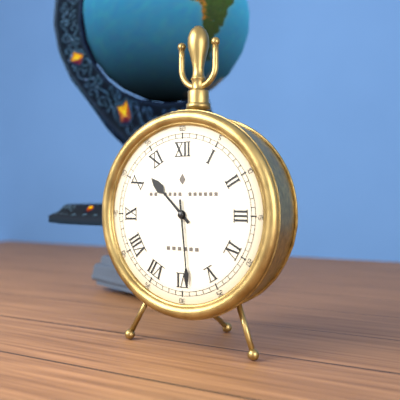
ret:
10:29
